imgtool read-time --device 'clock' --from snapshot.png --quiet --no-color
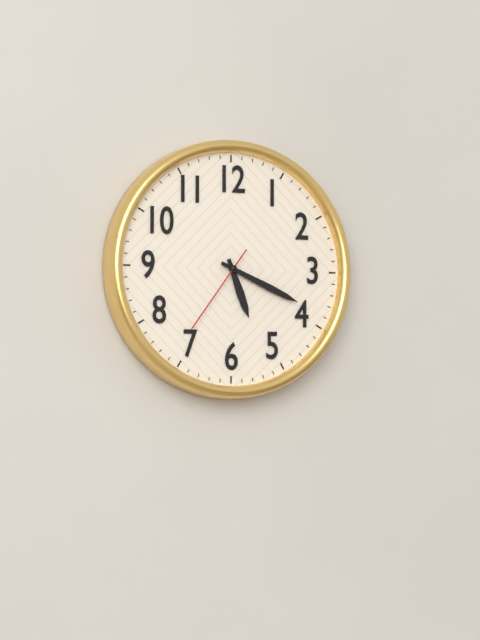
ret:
5:19:36
